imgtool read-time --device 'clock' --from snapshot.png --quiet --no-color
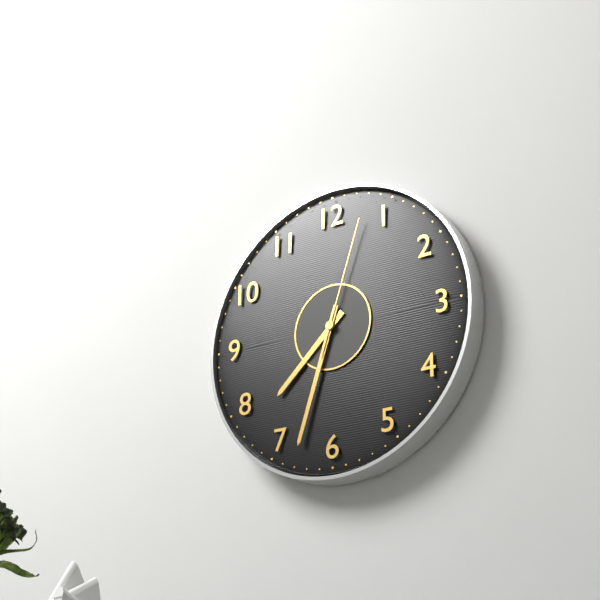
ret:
7:33:03
